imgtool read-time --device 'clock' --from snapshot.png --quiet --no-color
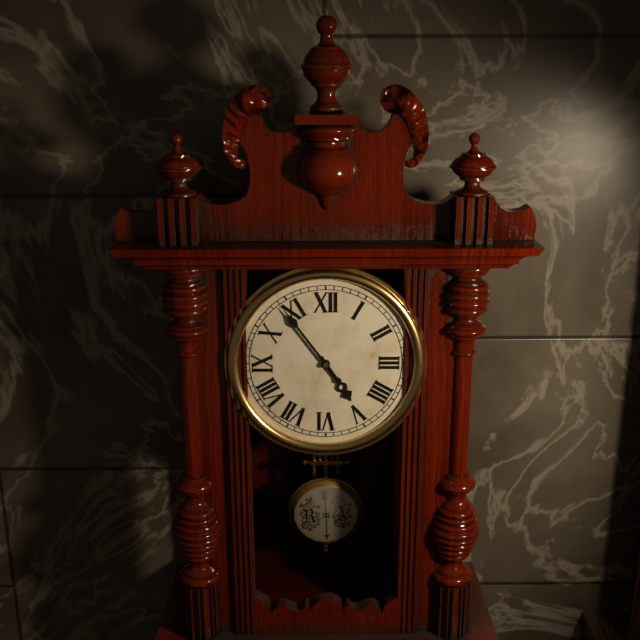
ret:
4:54
